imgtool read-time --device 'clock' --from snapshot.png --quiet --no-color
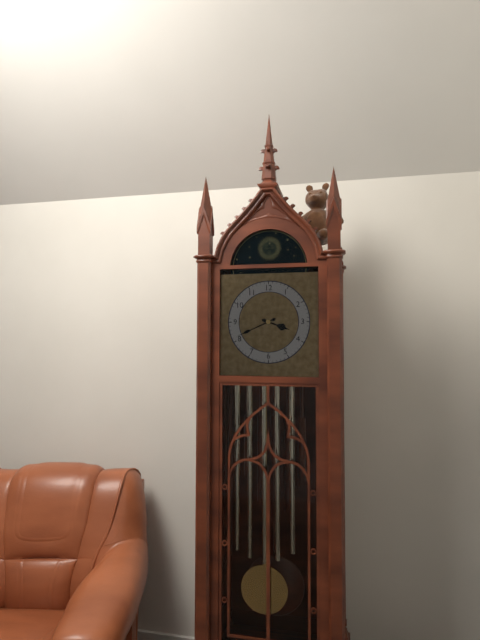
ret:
3:41
